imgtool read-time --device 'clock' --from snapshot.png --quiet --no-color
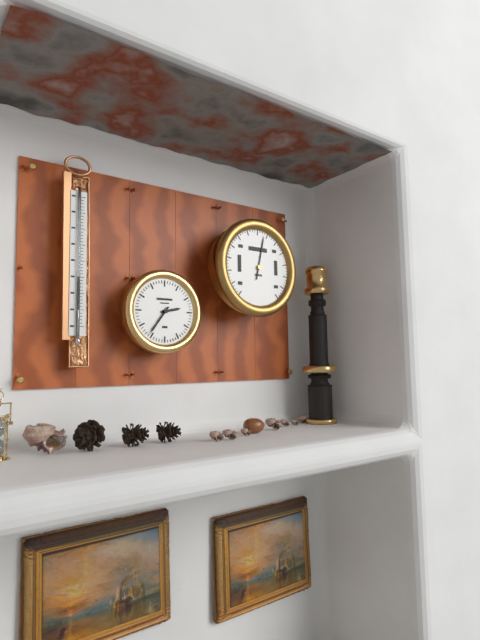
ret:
2:36
